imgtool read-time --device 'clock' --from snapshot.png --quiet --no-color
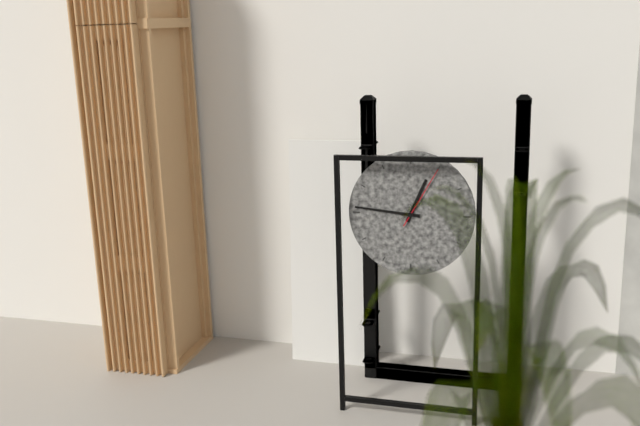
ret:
12:46:05
